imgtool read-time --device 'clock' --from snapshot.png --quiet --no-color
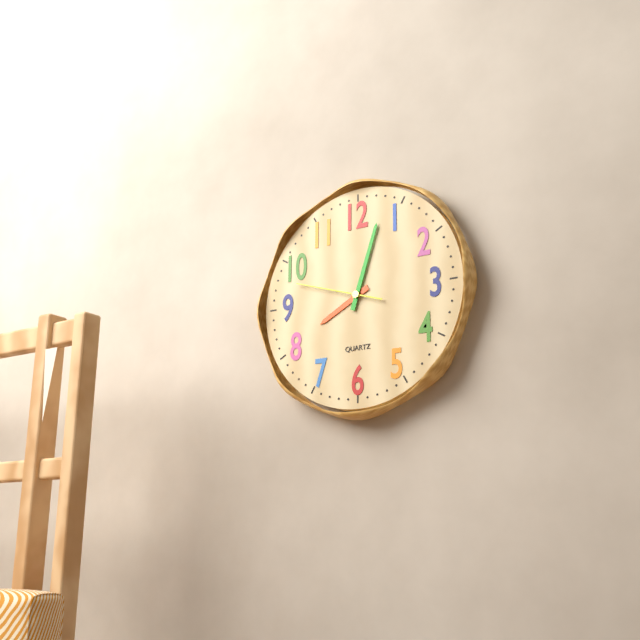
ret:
8:03:48
